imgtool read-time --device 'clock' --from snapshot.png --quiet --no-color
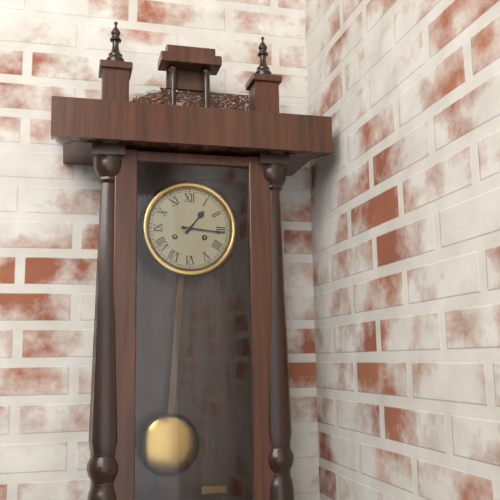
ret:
1:16
